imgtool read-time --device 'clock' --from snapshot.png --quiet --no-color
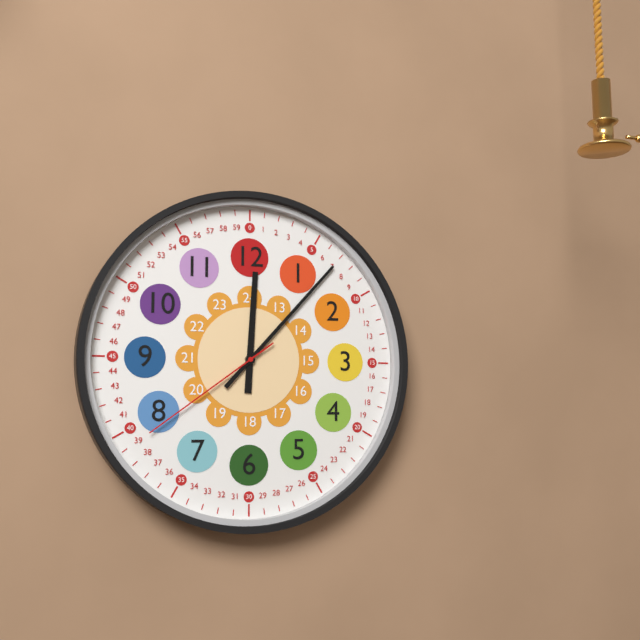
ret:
12:07:39
